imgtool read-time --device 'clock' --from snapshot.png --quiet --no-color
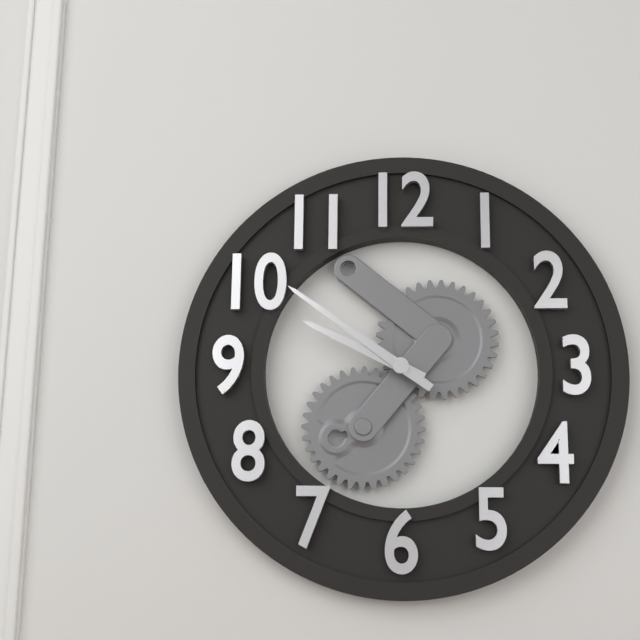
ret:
9:51
